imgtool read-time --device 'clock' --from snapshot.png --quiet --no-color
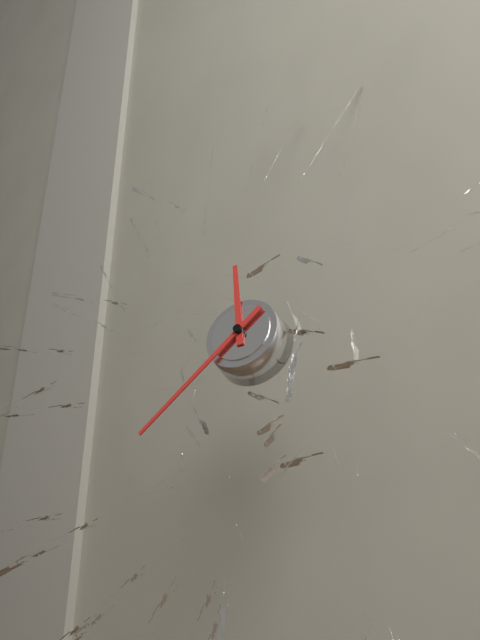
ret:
11:37
